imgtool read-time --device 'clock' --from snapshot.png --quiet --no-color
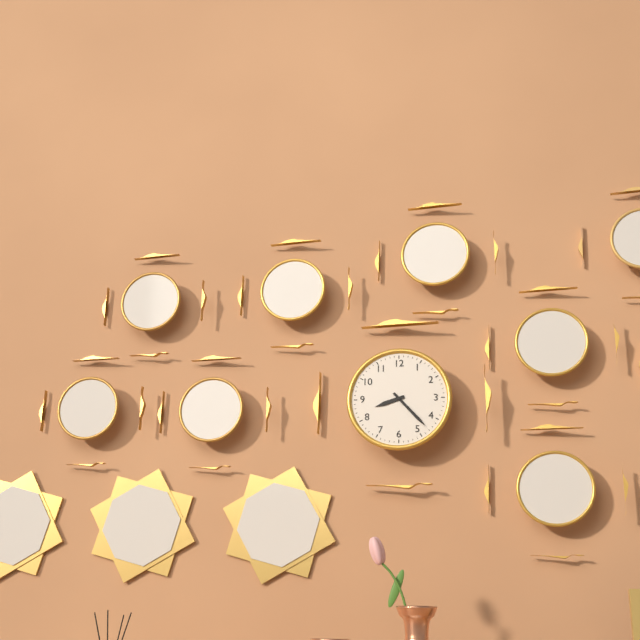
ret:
8:23
